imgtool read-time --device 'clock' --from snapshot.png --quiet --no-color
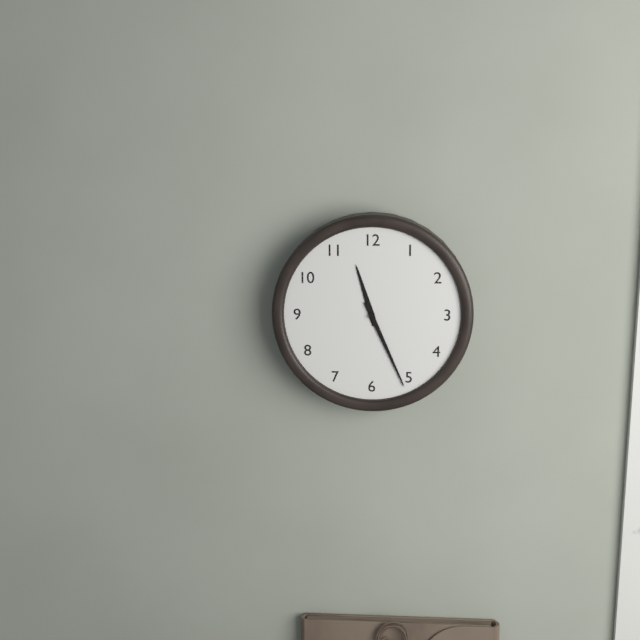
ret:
11:26
